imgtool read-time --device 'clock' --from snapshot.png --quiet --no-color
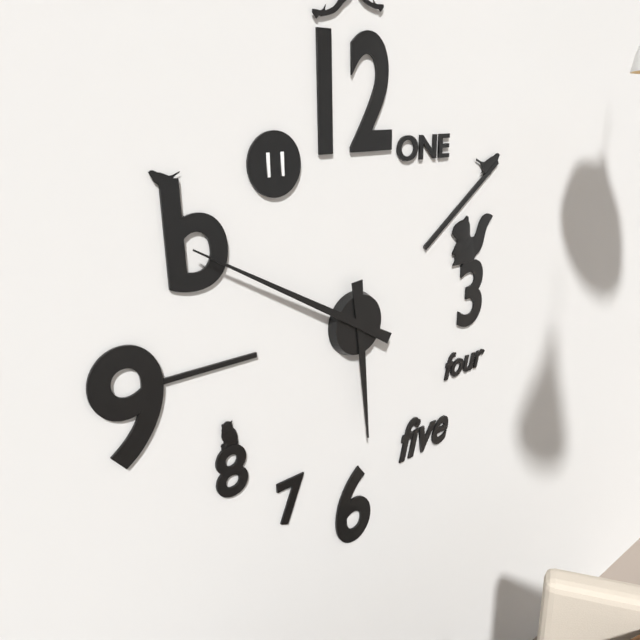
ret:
5:50
